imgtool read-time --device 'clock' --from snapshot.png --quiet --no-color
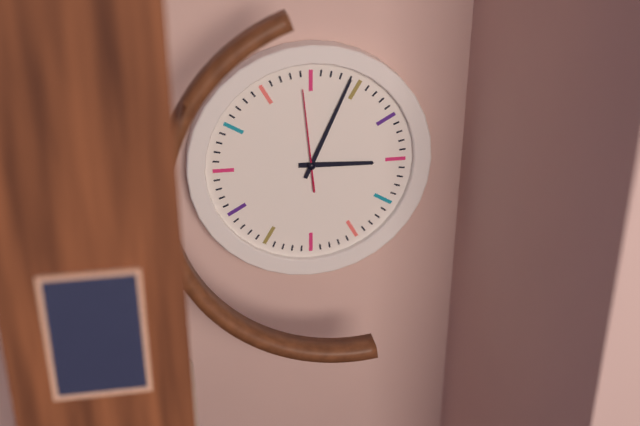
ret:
3:04:59
